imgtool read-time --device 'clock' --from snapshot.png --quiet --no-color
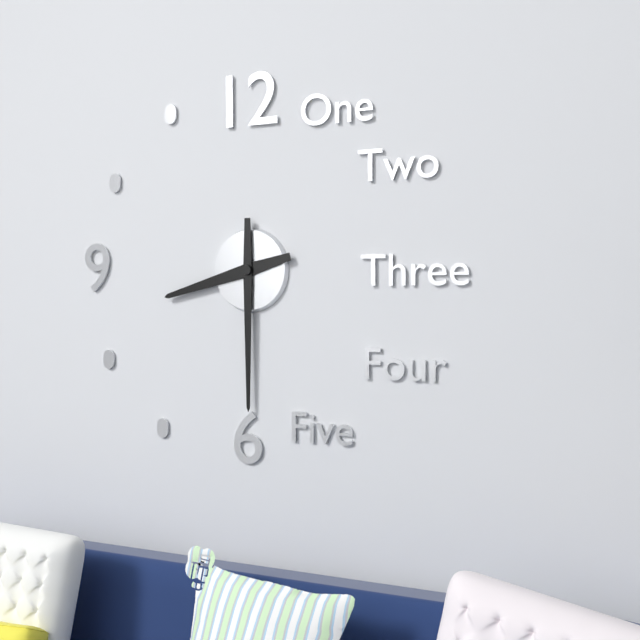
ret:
8:30
